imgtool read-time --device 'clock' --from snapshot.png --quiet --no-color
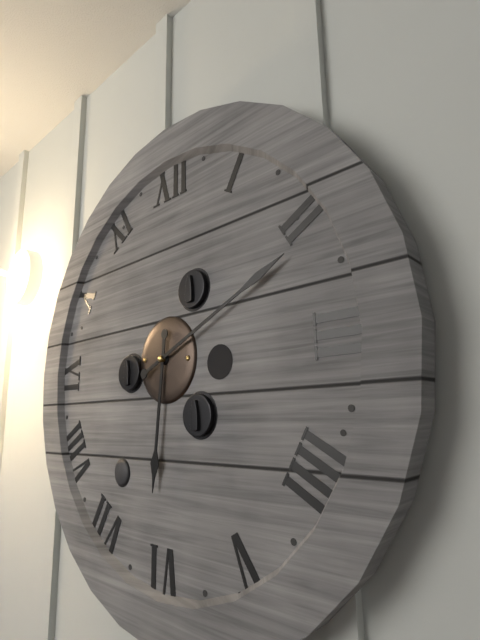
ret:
6:11
